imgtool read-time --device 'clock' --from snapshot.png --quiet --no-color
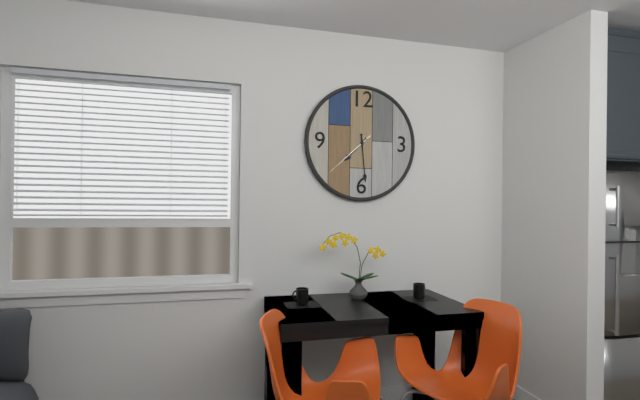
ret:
7:29:38
